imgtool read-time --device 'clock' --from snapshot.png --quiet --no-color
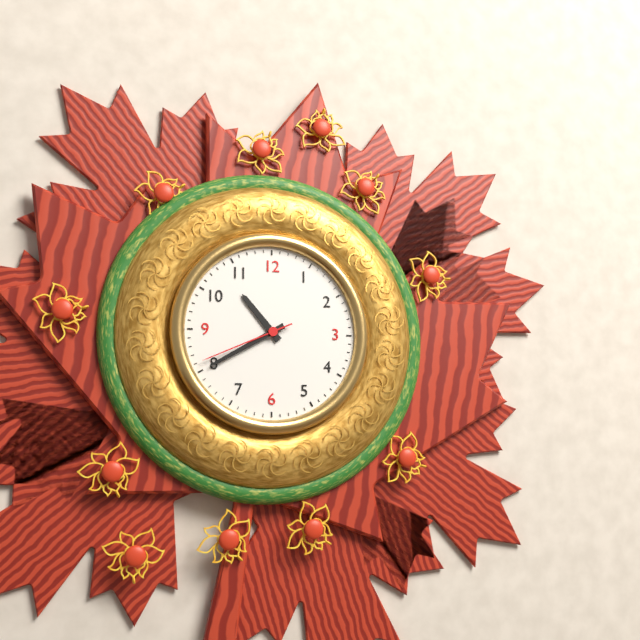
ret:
10:40:41
